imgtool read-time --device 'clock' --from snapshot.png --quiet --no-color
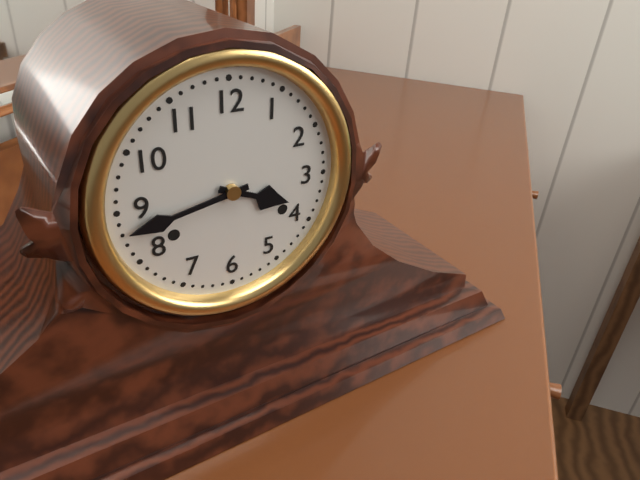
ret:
3:43
